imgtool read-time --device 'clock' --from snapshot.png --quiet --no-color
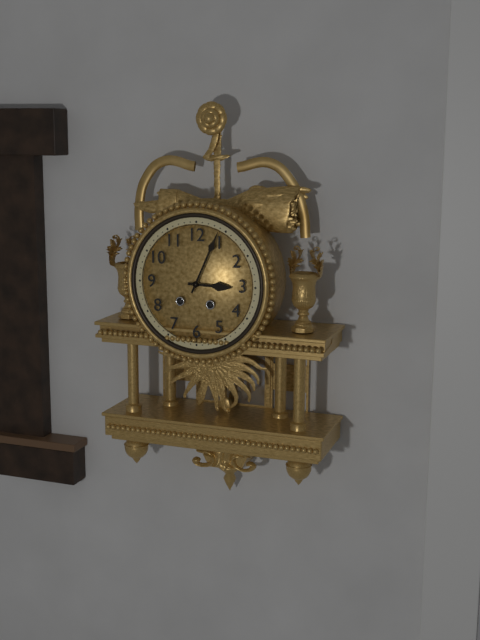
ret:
3:04
